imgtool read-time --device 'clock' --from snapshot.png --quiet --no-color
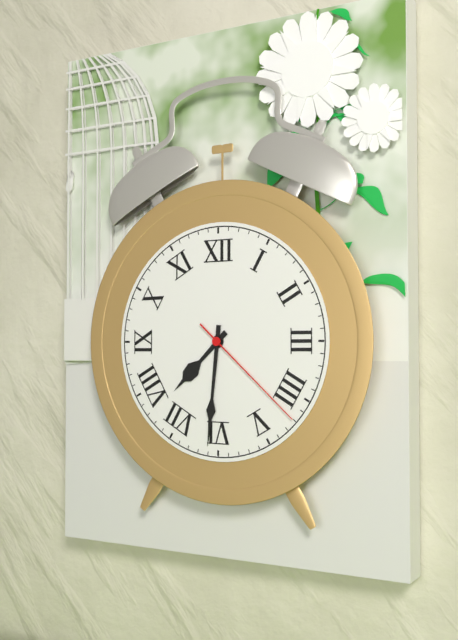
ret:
7:31:22
